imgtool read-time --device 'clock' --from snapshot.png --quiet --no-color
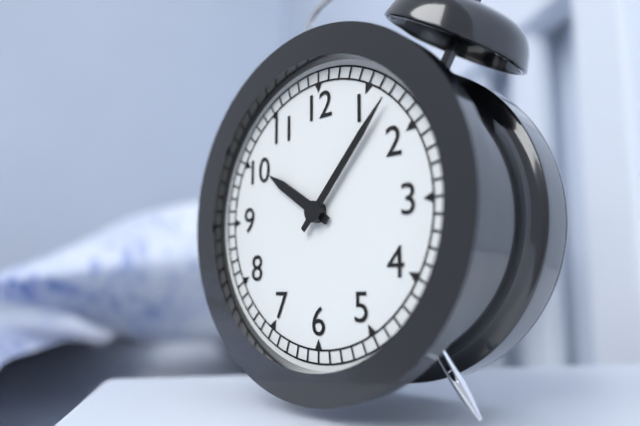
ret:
10:07
